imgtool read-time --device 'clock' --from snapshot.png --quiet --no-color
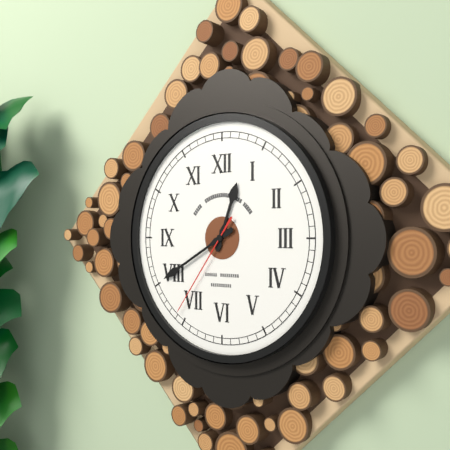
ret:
12:40:36
